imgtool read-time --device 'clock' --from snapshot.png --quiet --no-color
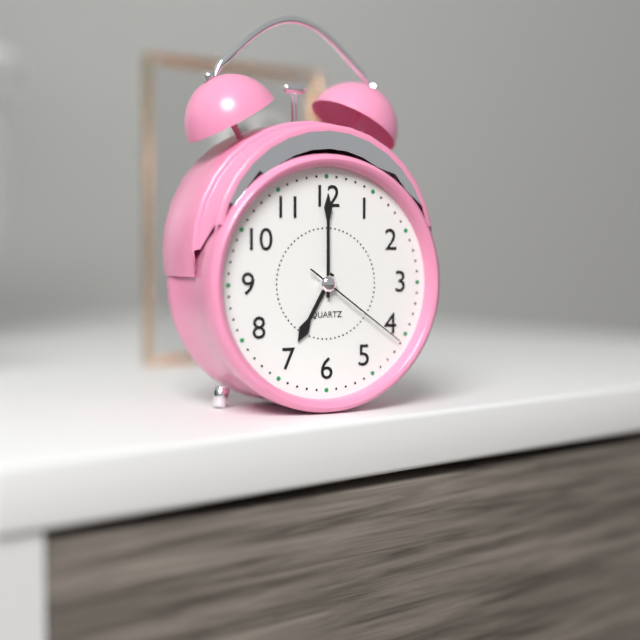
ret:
7:00:21
